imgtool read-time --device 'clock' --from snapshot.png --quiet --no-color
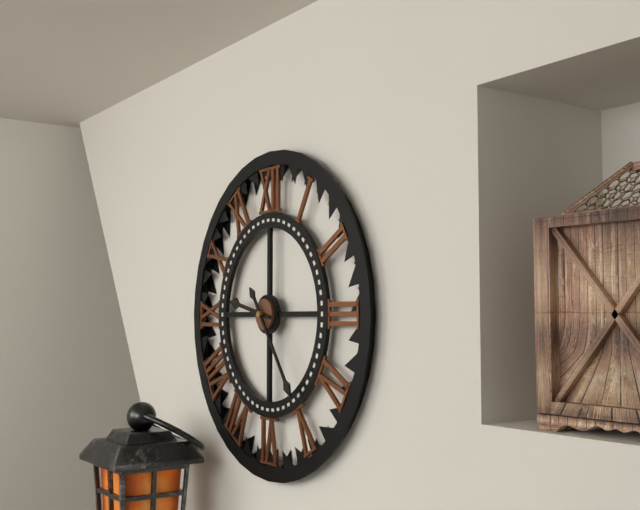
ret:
9:24
